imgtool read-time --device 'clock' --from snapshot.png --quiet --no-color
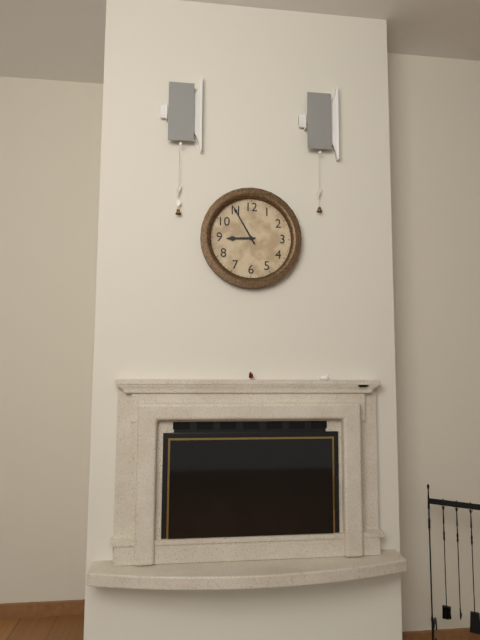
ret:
8:55
